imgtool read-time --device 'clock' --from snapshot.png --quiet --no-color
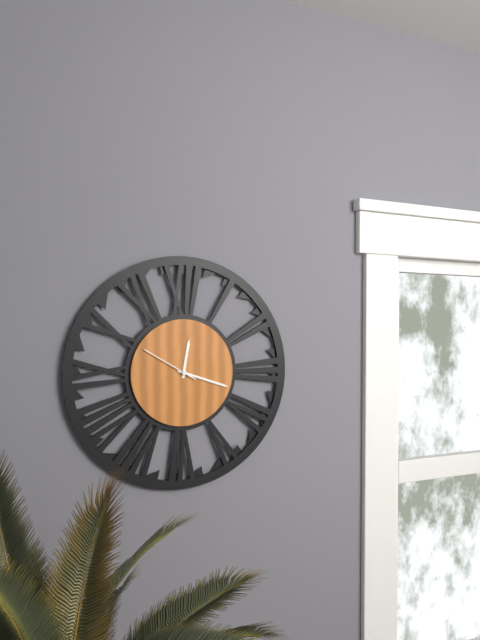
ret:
12:18:50
